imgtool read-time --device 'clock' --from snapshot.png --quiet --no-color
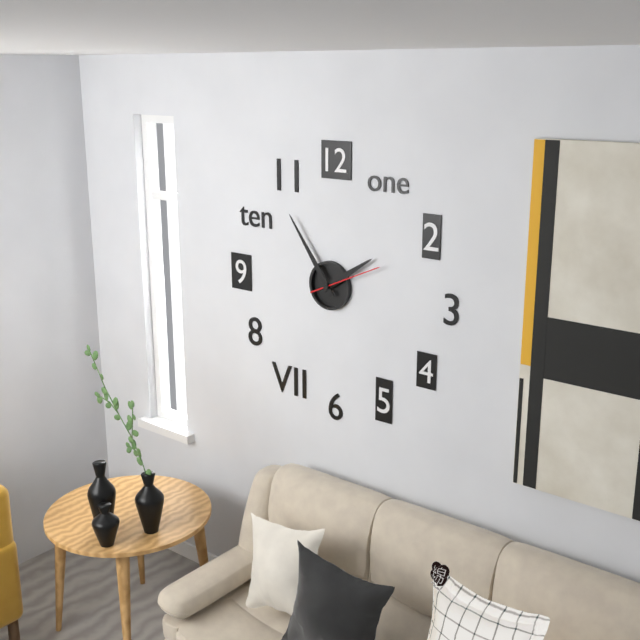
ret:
1:54:11
